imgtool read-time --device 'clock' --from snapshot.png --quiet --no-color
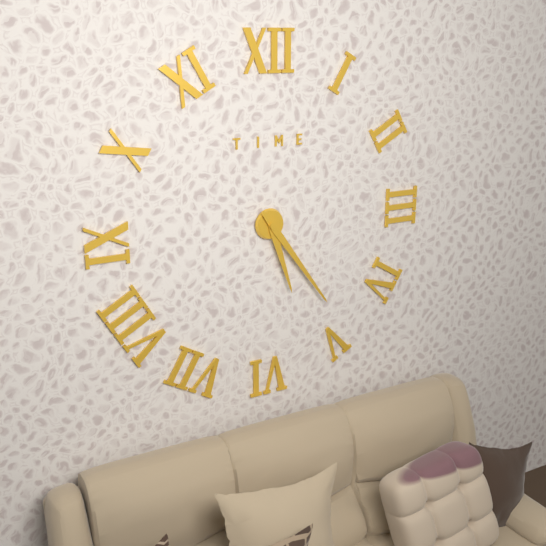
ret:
5:24
